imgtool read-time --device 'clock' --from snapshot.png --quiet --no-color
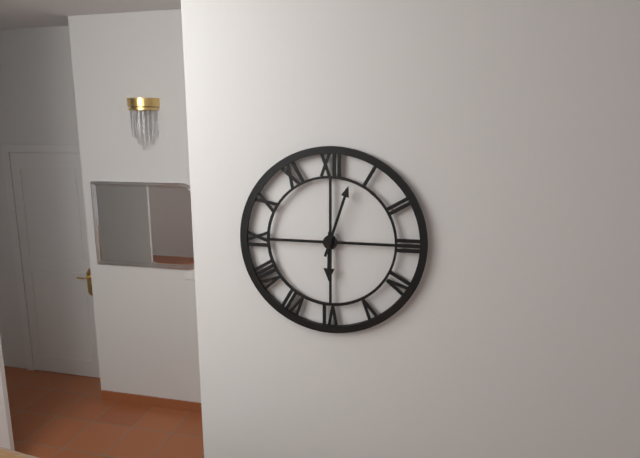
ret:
6:03
